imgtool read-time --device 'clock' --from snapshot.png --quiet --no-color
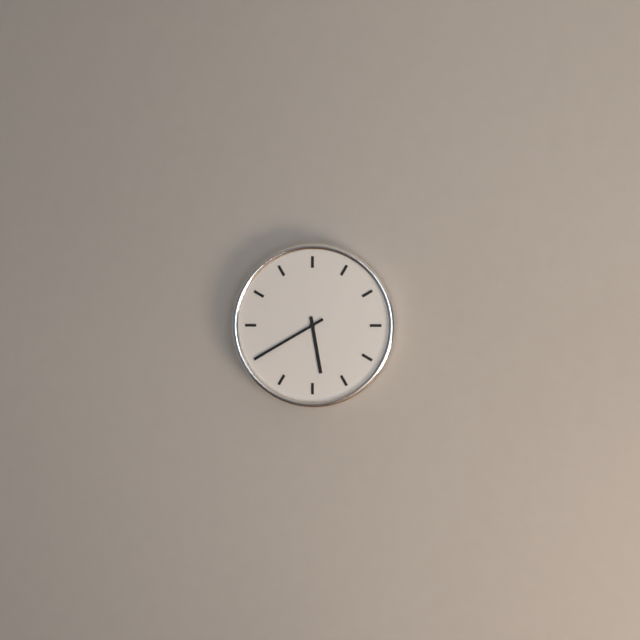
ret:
5:40
